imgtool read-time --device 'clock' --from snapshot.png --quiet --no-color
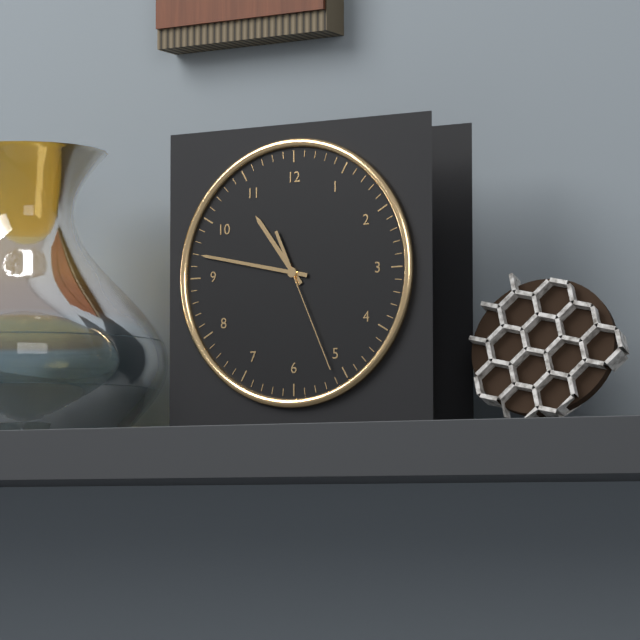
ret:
10:47:26
